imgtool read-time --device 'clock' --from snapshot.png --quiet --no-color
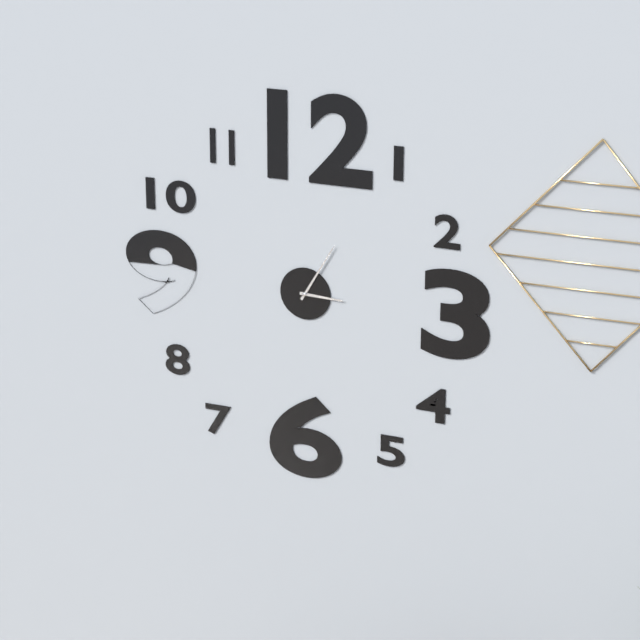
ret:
3:05
